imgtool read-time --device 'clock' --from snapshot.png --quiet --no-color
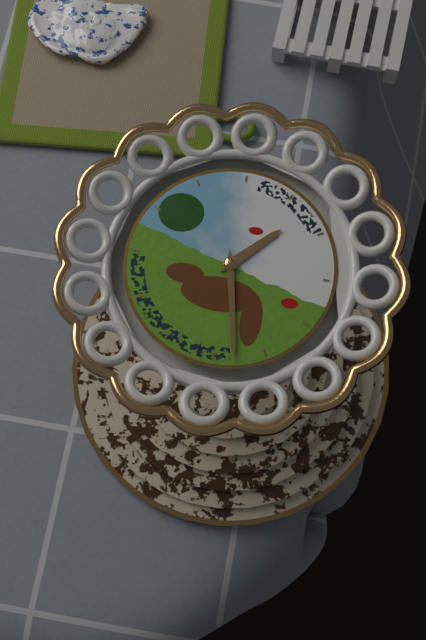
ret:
1:28
